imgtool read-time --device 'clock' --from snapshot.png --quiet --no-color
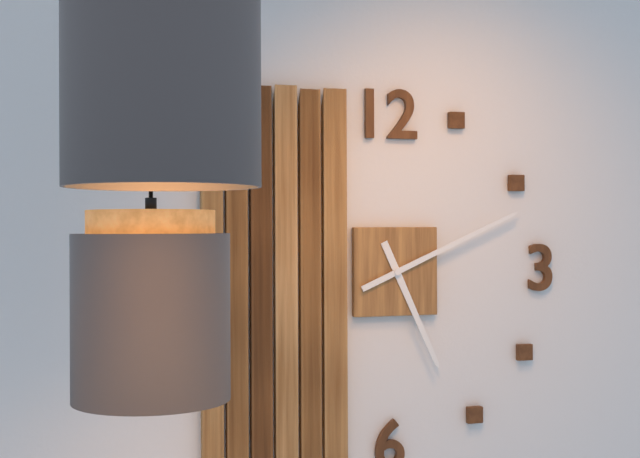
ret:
5:11
